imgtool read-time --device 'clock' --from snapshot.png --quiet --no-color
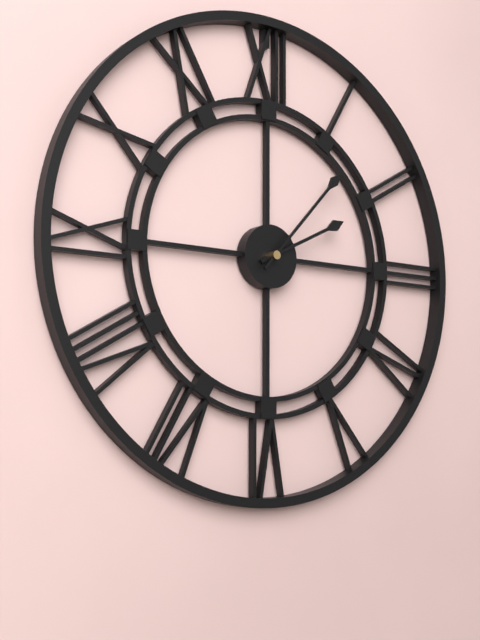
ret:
2:07
